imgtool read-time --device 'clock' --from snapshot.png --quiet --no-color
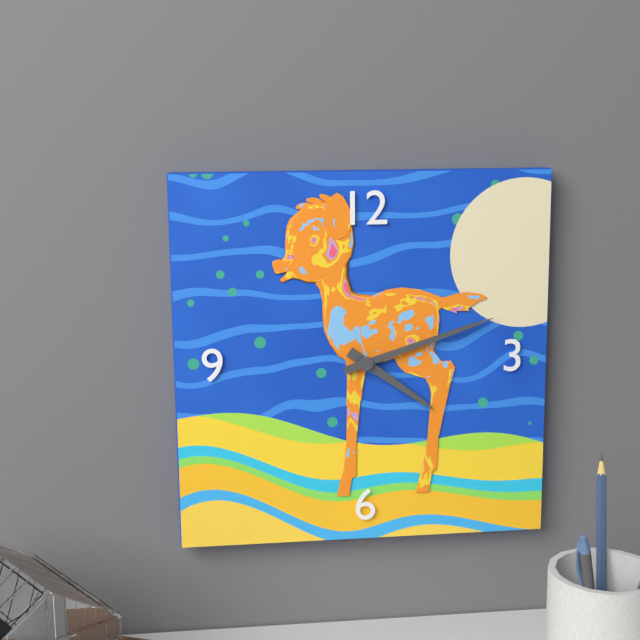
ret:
4:12
